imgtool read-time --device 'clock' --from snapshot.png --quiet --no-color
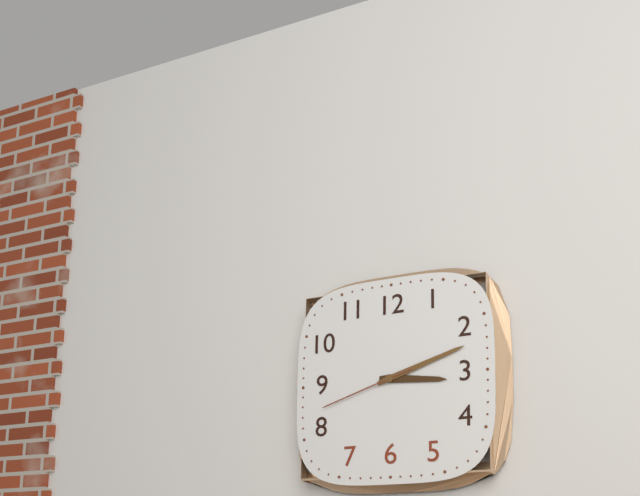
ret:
3:12:42
